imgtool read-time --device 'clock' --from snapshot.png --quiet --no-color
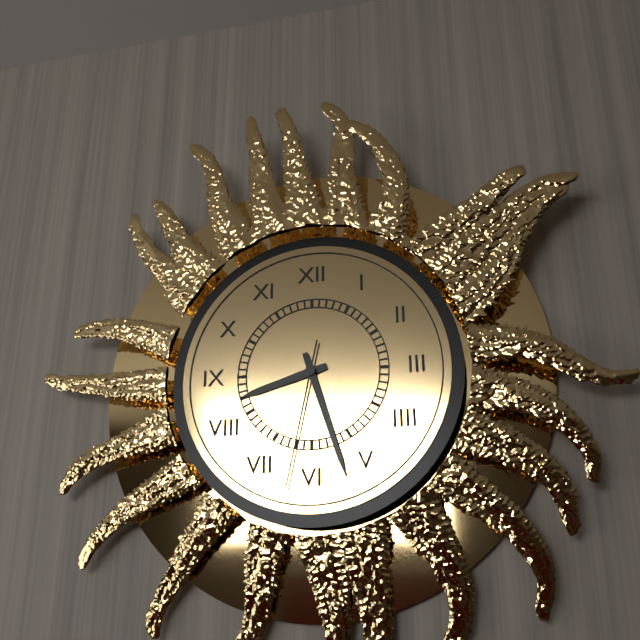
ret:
8:27:32
